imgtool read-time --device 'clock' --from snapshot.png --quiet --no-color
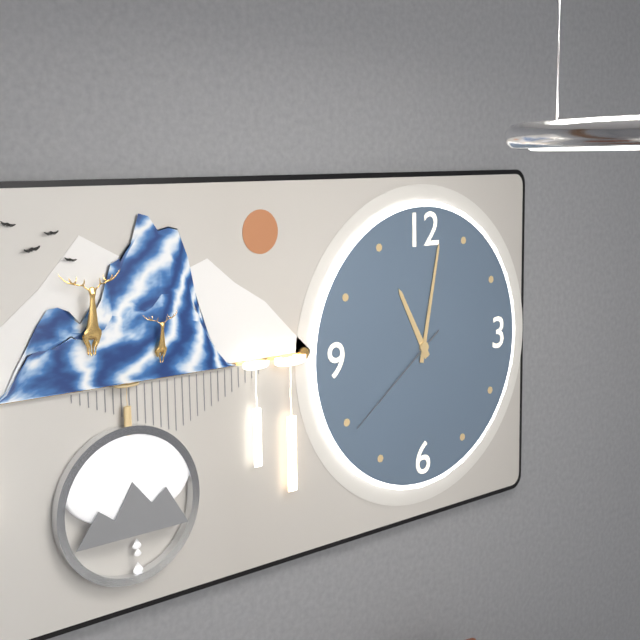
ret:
11:02:39
